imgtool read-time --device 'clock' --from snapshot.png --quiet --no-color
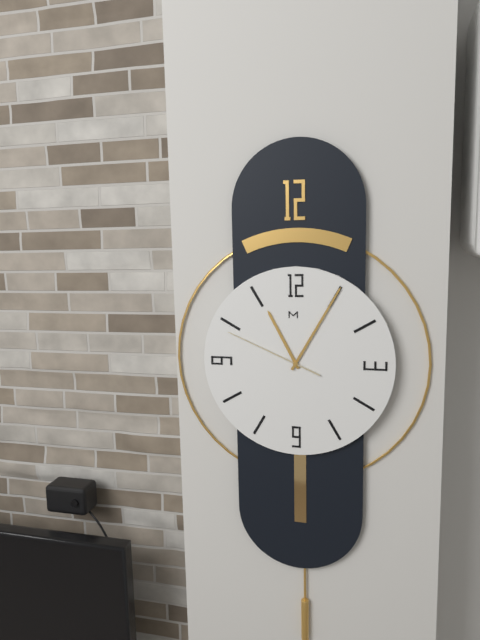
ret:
11:05:49
